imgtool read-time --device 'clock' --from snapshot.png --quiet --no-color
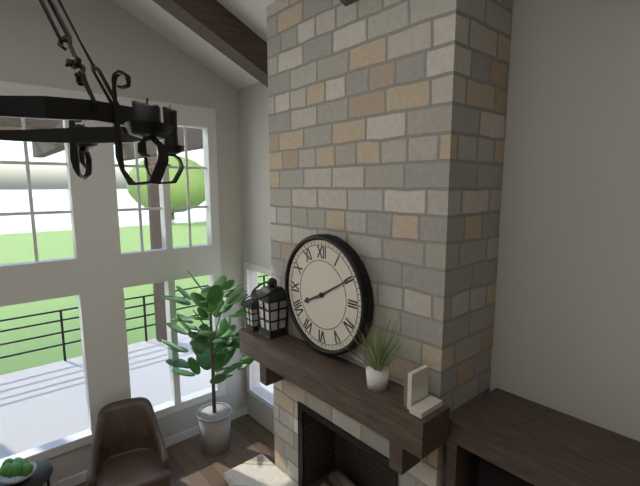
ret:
8:10
